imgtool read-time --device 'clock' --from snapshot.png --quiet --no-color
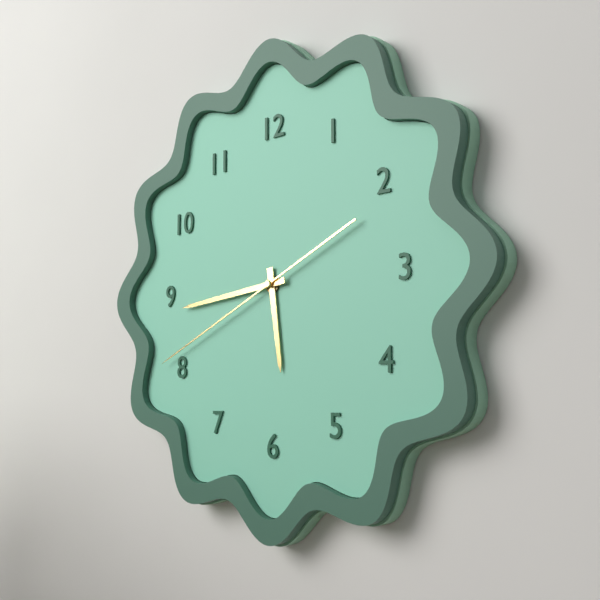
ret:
5:44:41
